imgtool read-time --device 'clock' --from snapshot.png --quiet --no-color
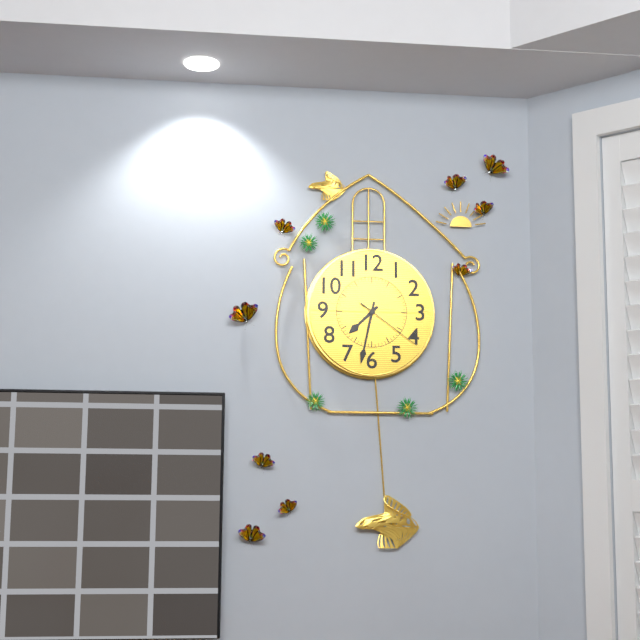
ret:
7:32:21
